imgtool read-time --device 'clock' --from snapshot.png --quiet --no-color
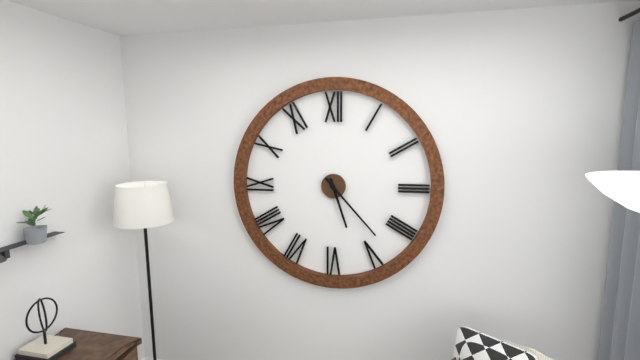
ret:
5:23
